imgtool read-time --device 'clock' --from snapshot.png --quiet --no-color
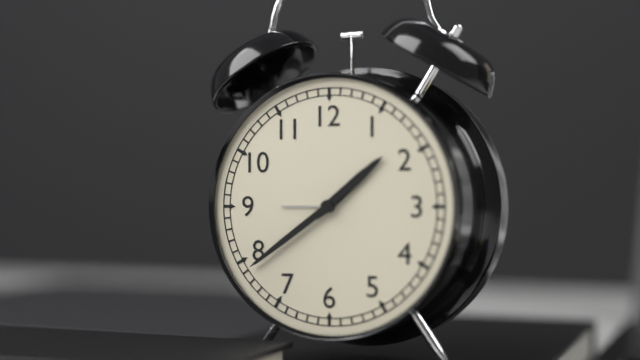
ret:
1:39
